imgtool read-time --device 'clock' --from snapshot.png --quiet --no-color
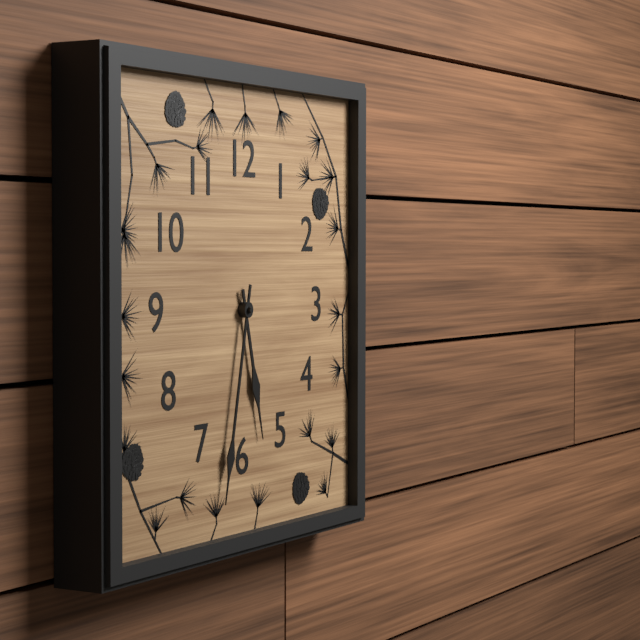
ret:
5:32
